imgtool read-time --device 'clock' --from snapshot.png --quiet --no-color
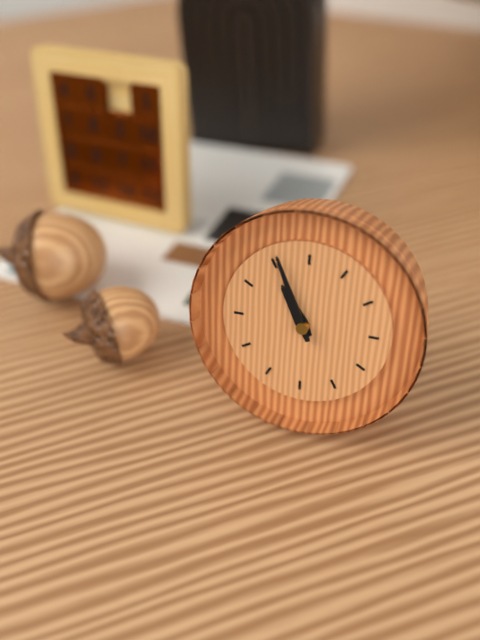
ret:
10:56
